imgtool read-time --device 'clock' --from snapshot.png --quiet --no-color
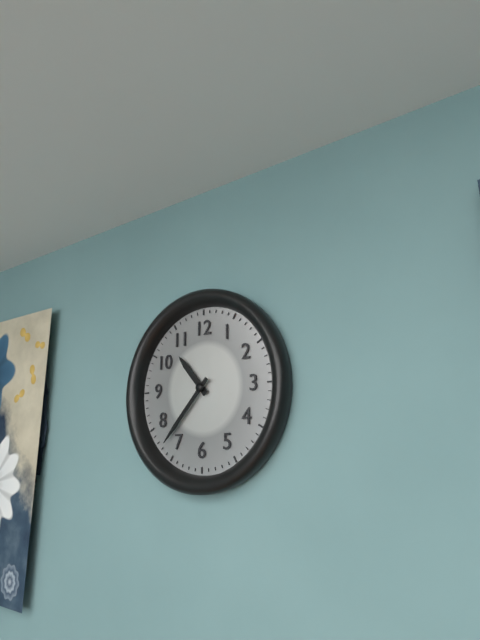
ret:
10:37
